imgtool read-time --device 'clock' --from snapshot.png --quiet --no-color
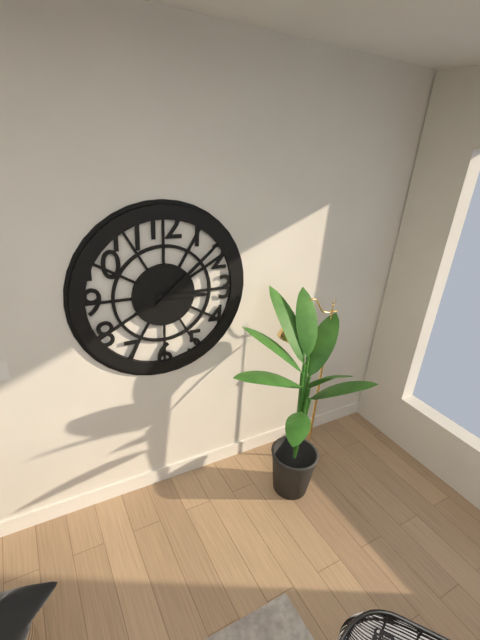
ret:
3:08
